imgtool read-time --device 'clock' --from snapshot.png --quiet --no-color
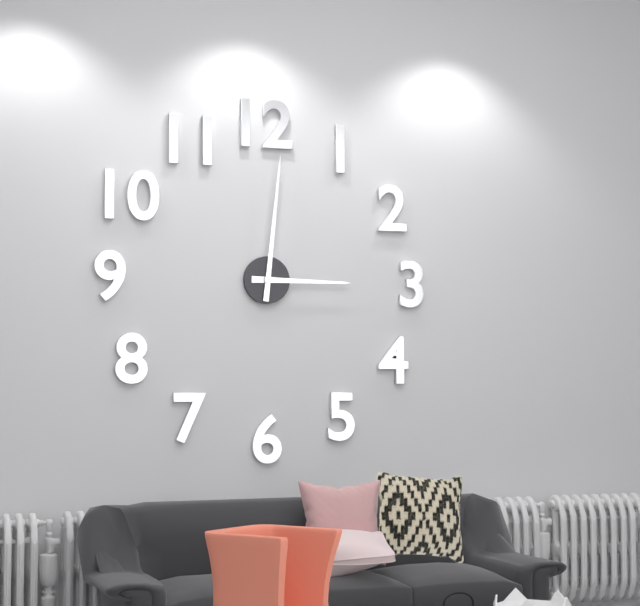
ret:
3:01
